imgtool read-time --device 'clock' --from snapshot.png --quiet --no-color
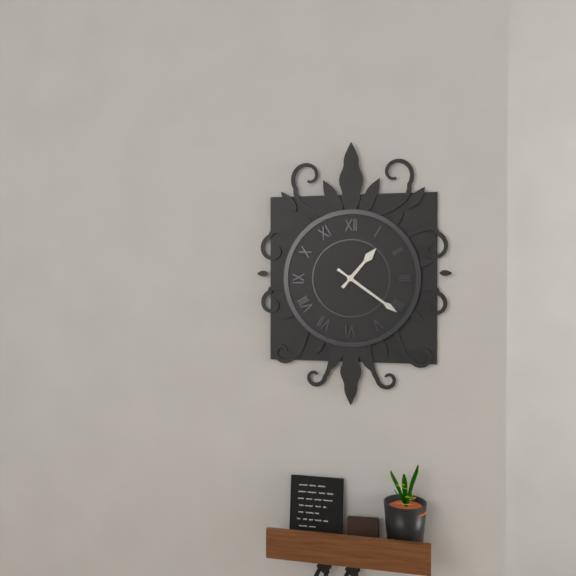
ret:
1:21
